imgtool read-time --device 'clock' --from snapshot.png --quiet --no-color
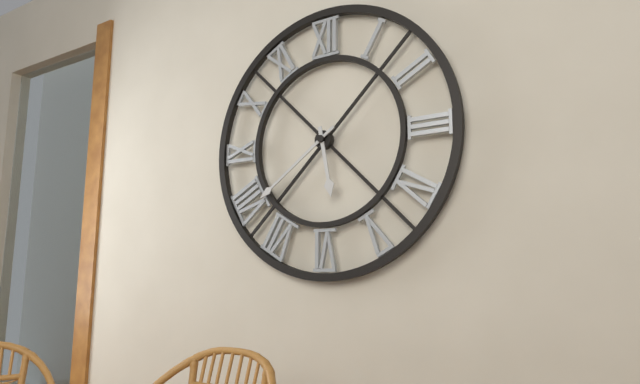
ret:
5:39
